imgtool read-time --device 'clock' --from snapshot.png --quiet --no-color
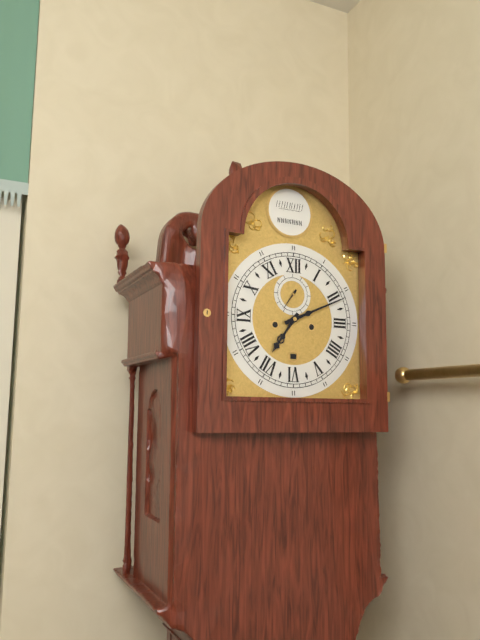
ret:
7:11
